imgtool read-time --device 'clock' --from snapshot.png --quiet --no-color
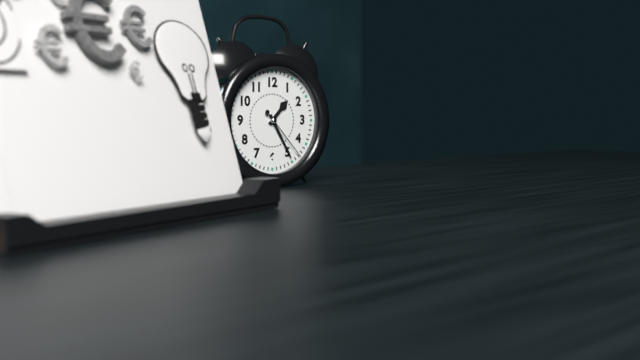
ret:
1:25:23
